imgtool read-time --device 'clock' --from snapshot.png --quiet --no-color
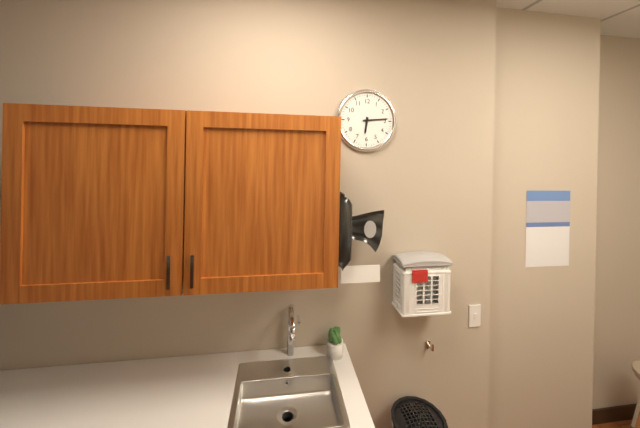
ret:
6:14
